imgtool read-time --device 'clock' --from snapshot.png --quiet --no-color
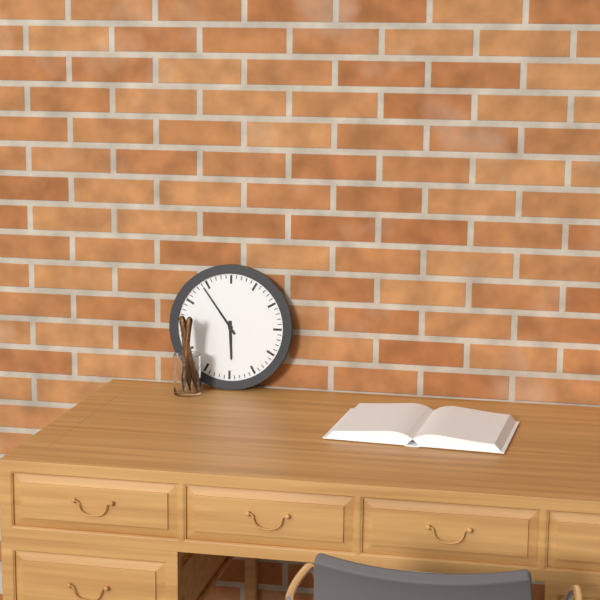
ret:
5:54
